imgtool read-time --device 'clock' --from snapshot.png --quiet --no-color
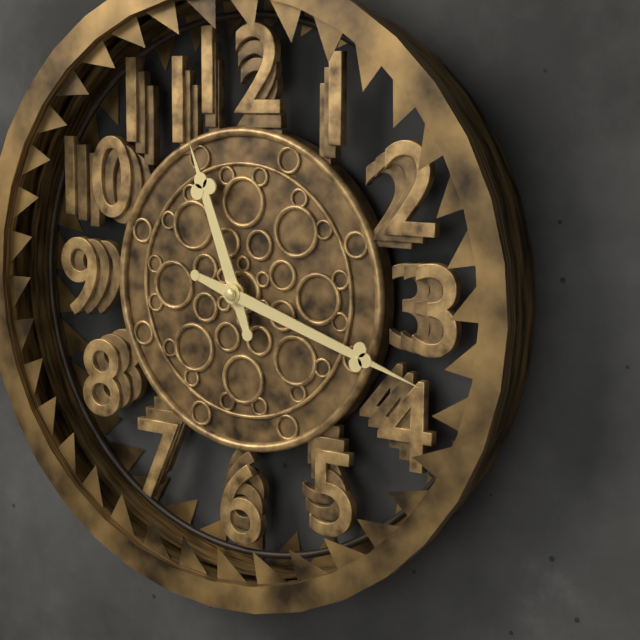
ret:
11:18
